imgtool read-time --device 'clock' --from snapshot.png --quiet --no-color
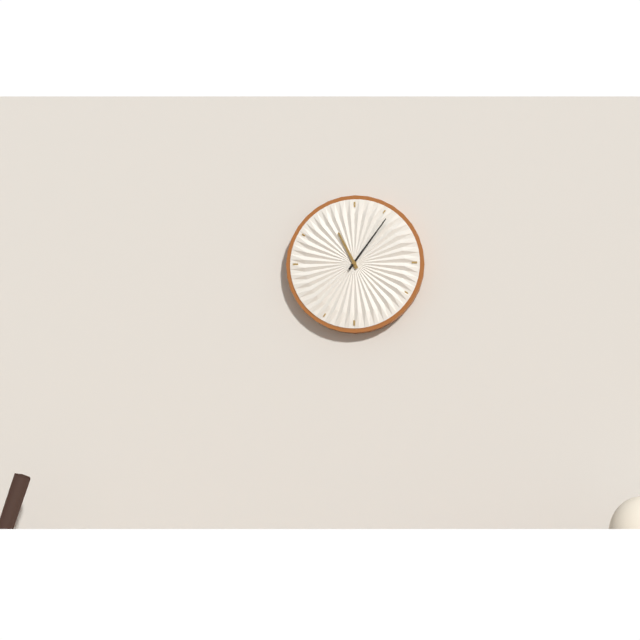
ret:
11:06
